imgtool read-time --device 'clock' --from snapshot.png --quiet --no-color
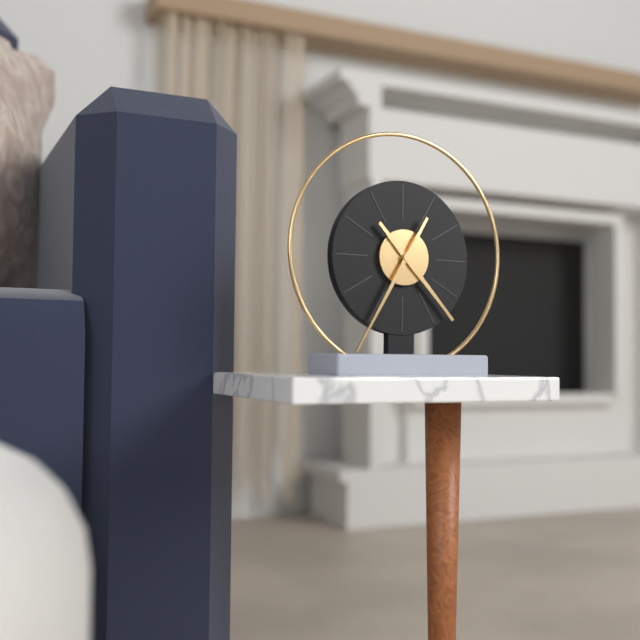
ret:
4:35
